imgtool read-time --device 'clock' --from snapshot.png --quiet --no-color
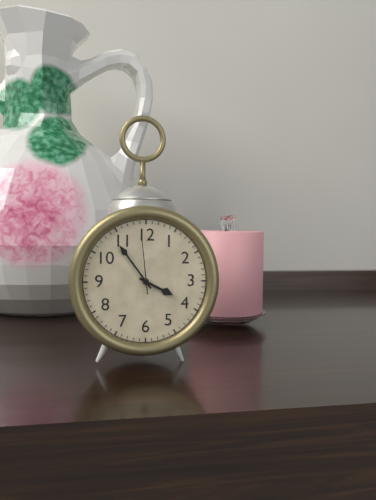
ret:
3:54:59
